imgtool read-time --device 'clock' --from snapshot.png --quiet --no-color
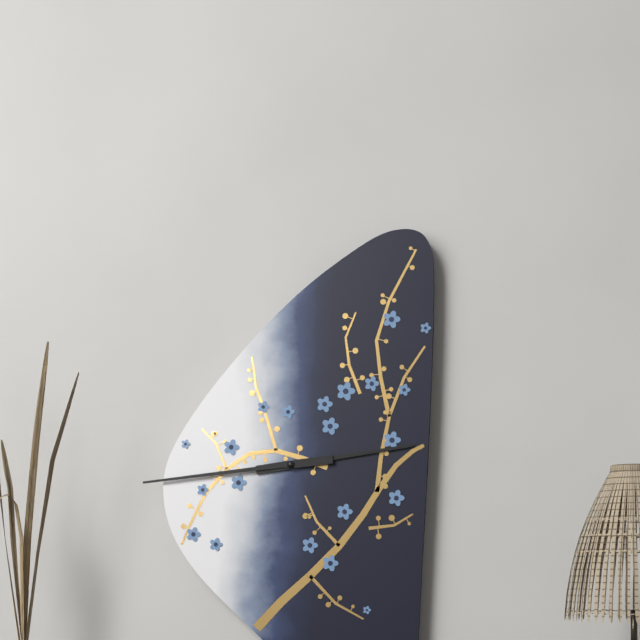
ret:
2:44
